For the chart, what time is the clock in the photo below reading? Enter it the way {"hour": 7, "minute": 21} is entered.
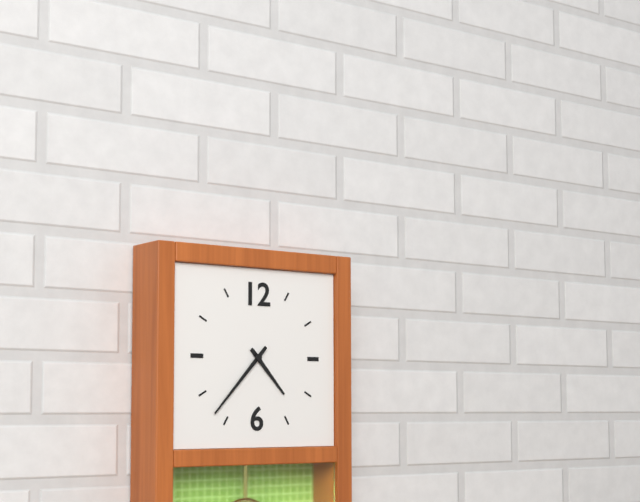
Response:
{"hour": 4, "minute": 37}
